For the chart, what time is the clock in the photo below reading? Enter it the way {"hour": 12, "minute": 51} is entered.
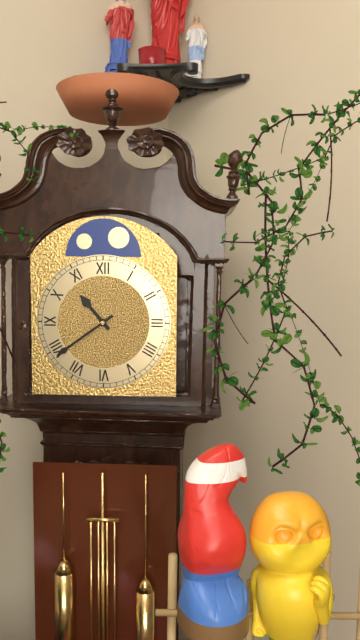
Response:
{"hour": 10, "minute": 39}
